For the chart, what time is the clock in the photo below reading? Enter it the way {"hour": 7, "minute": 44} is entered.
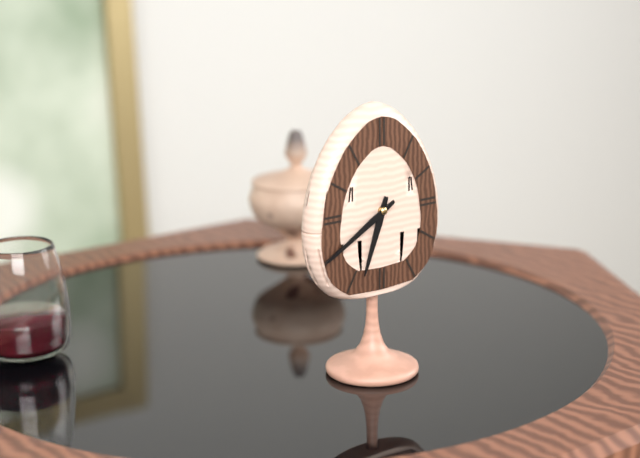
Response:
{"hour": 6, "minute": 40}
